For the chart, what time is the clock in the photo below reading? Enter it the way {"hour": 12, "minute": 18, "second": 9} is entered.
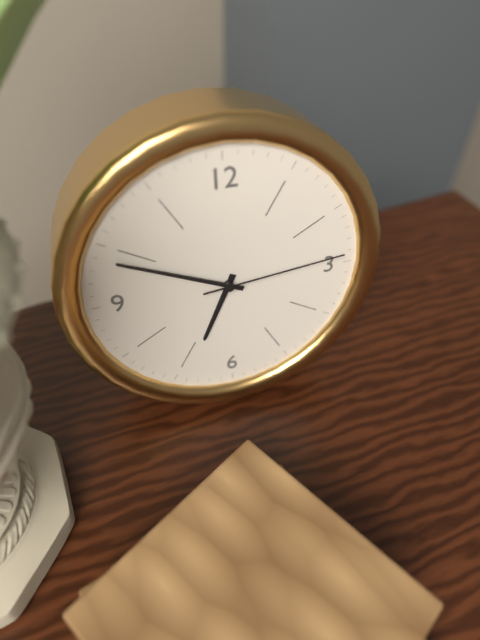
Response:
{"hour": 6, "minute": 49, "second": 14}
